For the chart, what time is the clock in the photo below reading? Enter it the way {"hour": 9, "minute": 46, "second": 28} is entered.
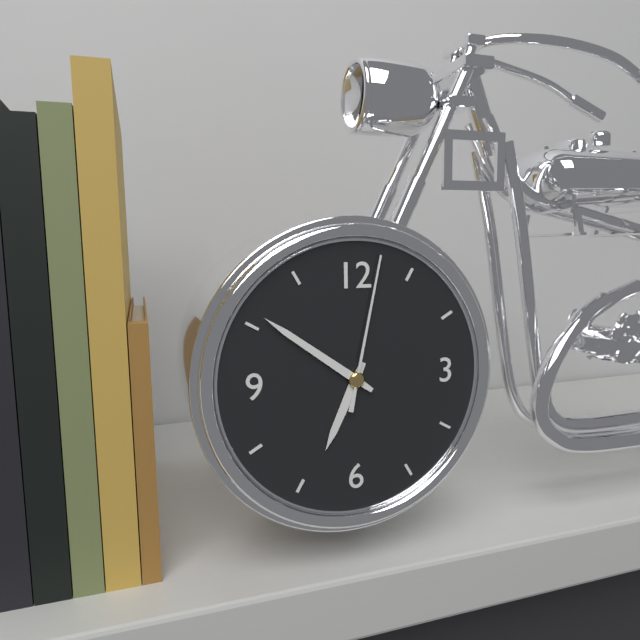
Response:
{"hour": 6, "minute": 51, "second": 2}
